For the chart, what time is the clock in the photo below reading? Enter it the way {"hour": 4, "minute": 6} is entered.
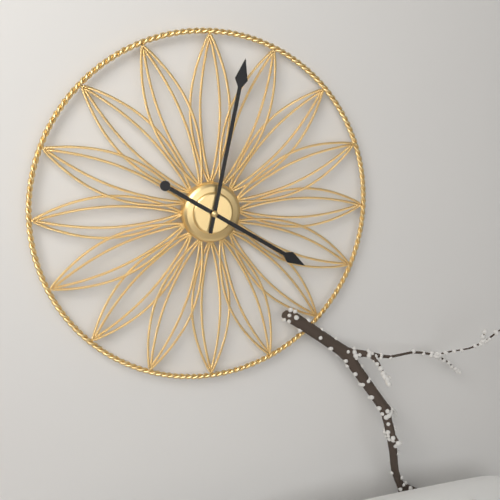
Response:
{"hour": 4, "minute": 2}
